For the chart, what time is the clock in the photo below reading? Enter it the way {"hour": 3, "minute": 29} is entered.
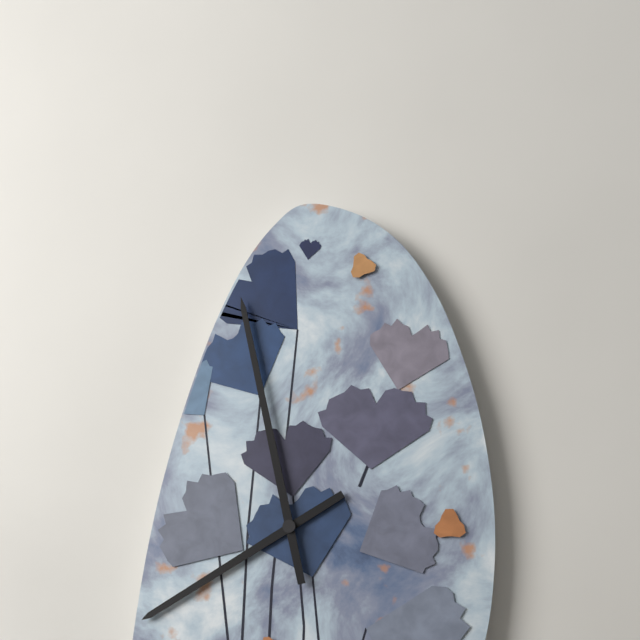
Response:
{"hour": 7, "minute": 58}
